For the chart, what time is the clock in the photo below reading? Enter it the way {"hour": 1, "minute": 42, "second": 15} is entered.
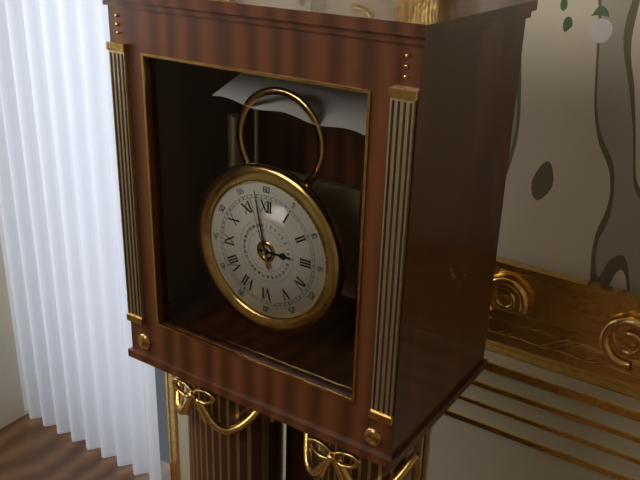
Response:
{"hour": 2, "minute": 58, "second": 57}
